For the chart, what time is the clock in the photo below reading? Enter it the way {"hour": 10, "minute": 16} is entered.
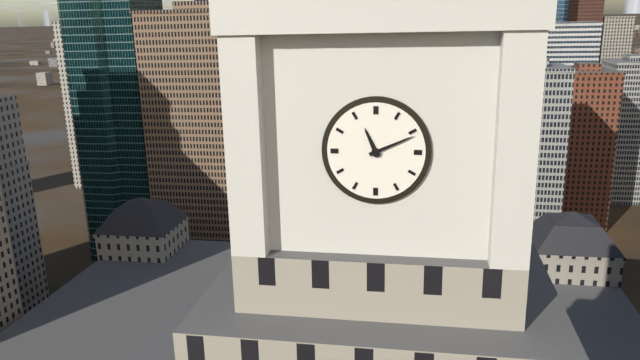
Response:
{"hour": 11, "minute": 11}
